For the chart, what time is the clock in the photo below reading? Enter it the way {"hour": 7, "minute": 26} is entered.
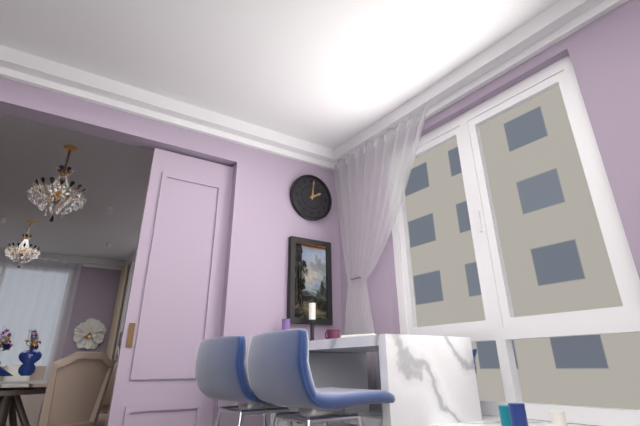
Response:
{"hour": 2, "minute": 1}
